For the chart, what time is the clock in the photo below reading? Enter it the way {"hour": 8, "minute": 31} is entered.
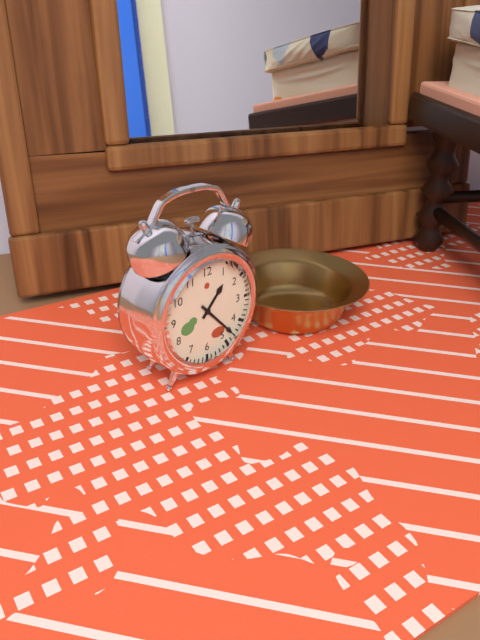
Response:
{"hour": 1, "minute": 23}
